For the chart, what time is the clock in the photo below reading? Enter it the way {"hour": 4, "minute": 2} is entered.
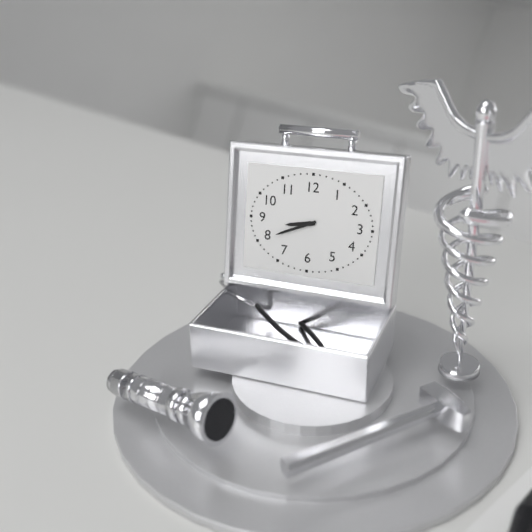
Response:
{"hour": 8, "minute": 41}
